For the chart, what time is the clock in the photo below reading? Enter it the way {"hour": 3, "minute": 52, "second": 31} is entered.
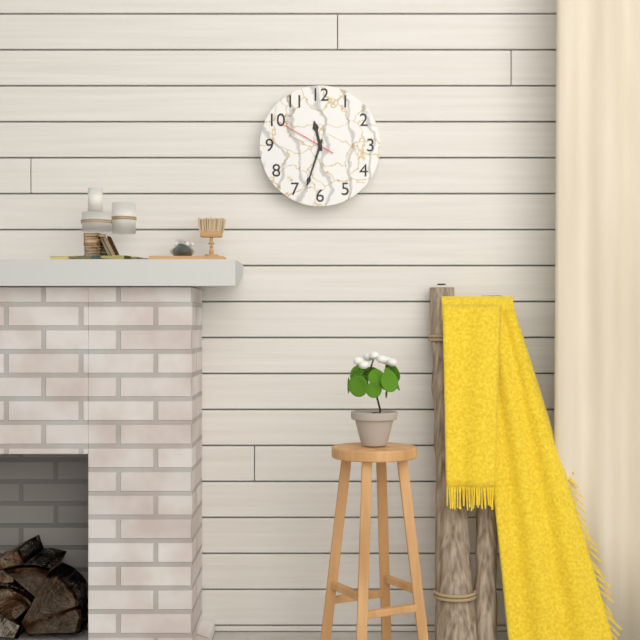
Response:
{"hour": 11, "minute": 33, "second": 50}
